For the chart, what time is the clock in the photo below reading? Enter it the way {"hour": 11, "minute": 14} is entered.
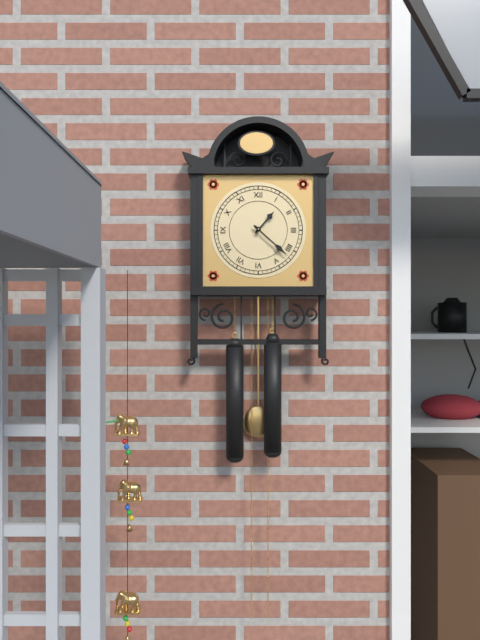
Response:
{"hour": 1, "minute": 22}
